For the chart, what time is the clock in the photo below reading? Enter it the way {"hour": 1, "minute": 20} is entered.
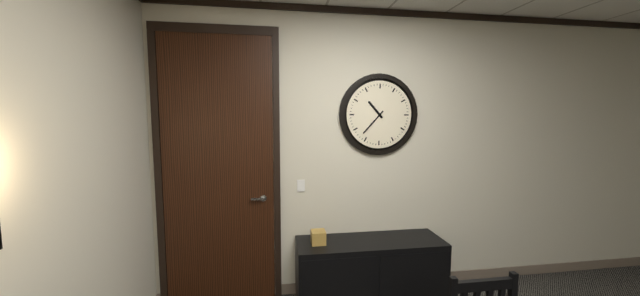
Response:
{"hour": 10, "minute": 37}
